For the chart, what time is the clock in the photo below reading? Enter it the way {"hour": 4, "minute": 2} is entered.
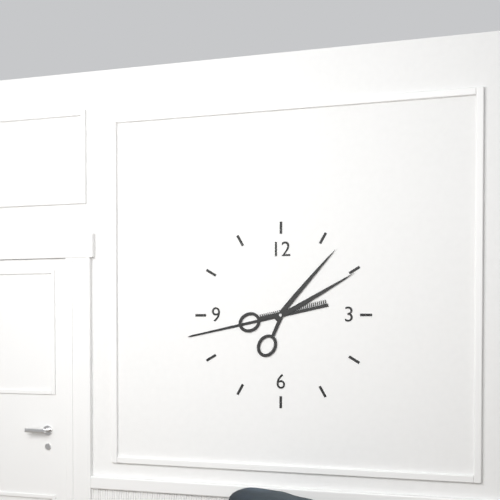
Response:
{"hour": 1, "minute": 43}
